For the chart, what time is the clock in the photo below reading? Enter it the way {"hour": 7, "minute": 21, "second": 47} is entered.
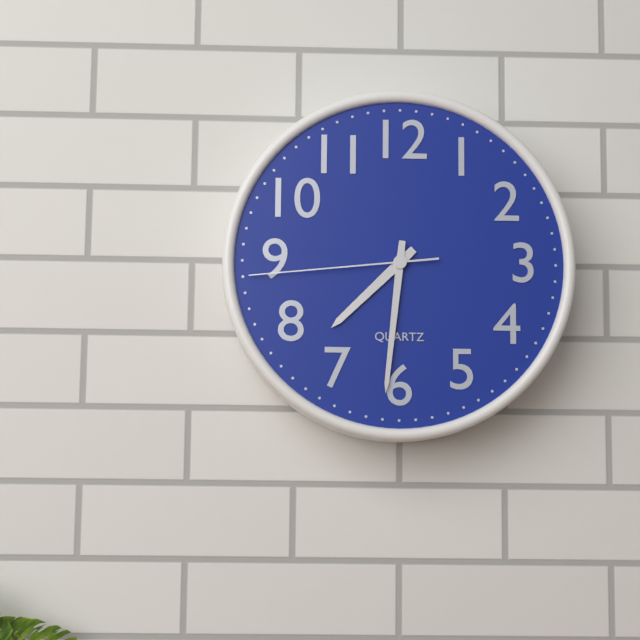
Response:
{"hour": 7, "minute": 31, "second": 44}
